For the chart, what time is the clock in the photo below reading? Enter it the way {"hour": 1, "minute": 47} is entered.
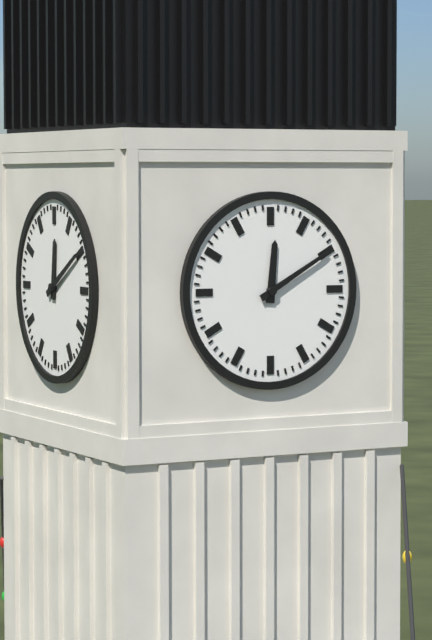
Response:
{"hour": 12, "minute": 10}
